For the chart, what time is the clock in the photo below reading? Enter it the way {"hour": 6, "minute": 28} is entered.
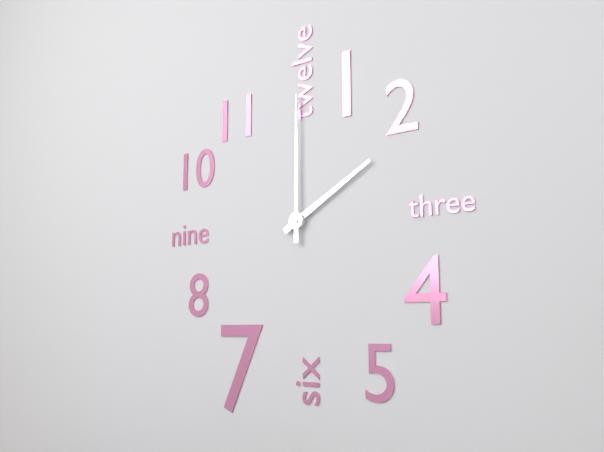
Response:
{"hour": 2, "minute": 0}
